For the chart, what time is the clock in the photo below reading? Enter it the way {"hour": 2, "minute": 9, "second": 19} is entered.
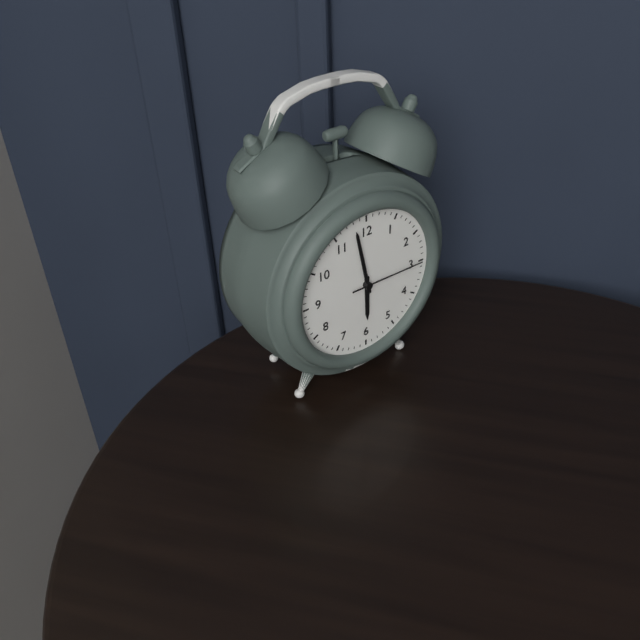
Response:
{"hour": 5, "minute": 58, "second": 15}
